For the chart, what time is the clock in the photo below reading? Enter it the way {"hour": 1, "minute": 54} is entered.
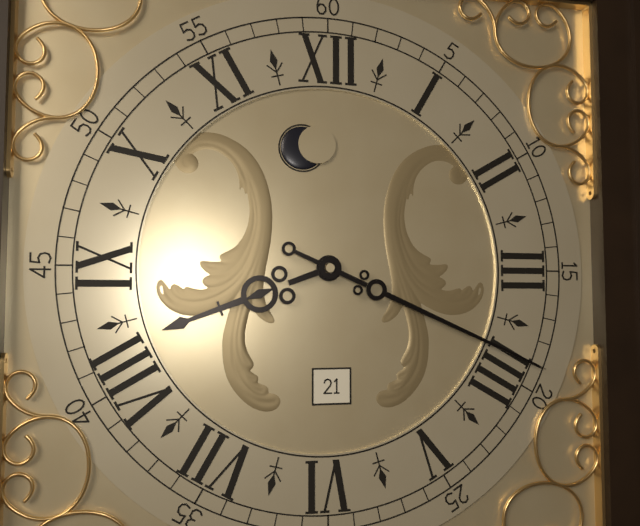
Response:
{"hour": 8, "minute": 19}
